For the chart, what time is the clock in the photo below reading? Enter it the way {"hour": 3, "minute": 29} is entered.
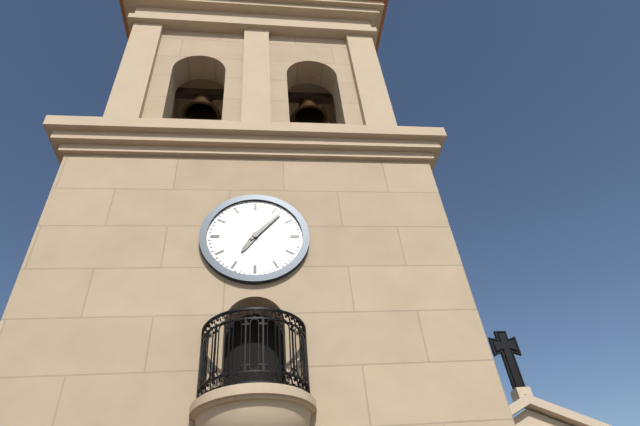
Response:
{"hour": 7, "minute": 7}
